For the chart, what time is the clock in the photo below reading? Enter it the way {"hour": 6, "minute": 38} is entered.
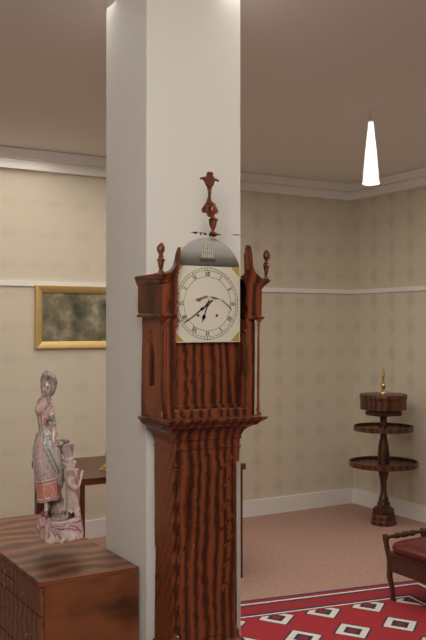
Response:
{"hour": 6, "minute": 39}
